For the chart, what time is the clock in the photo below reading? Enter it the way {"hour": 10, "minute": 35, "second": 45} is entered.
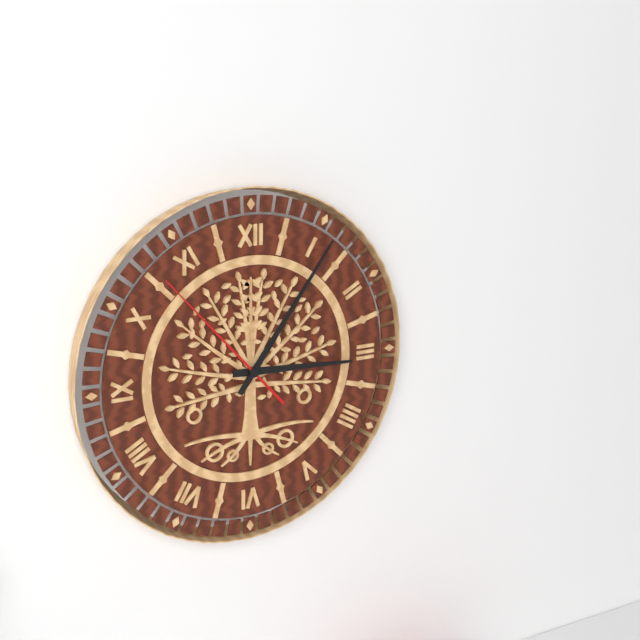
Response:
{"hour": 3, "minute": 6, "second": 53}
